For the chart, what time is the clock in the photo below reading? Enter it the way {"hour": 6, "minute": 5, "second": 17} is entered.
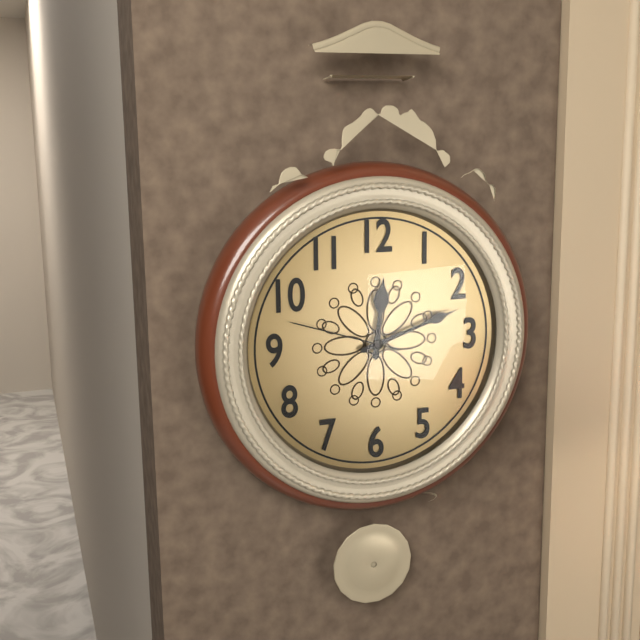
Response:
{"hour": 12, "minute": 12, "second": 48}
